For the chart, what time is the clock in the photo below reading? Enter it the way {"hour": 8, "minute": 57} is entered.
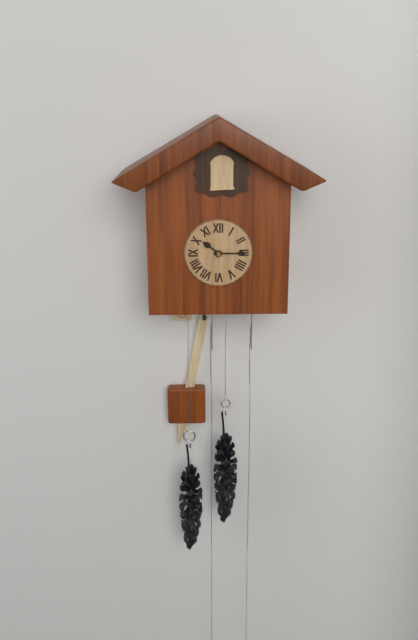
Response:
{"hour": 10, "minute": 15}
